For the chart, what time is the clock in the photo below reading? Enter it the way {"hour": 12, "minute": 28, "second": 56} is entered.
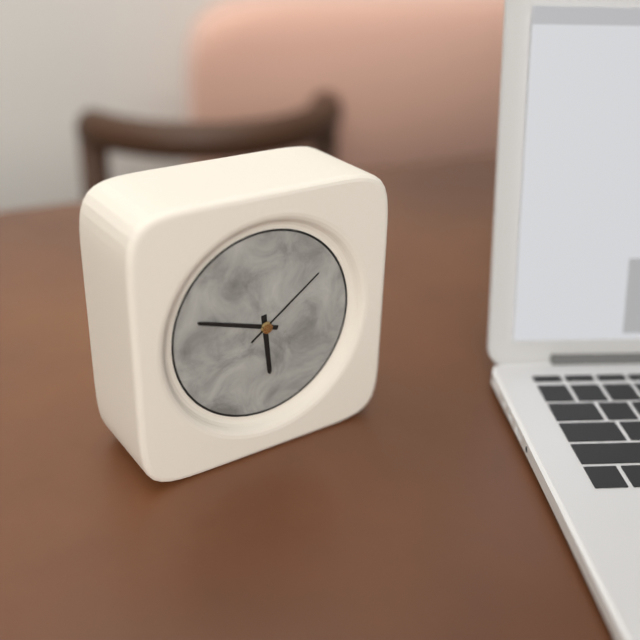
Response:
{"hour": 5, "minute": 48, "second": 9}
